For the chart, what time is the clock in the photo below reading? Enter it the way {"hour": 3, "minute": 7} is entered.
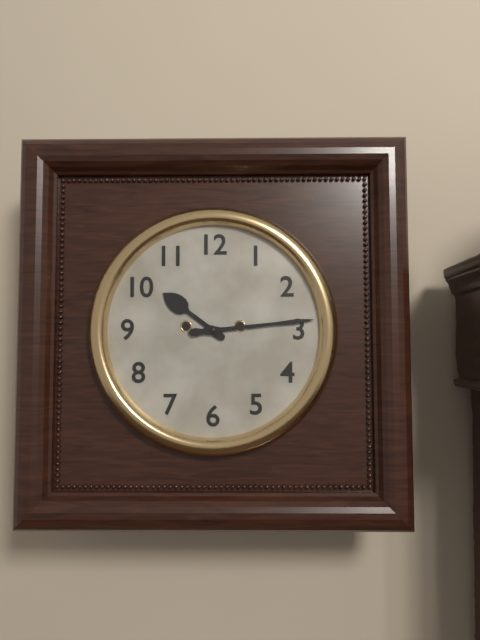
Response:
{"hour": 10, "minute": 14}
